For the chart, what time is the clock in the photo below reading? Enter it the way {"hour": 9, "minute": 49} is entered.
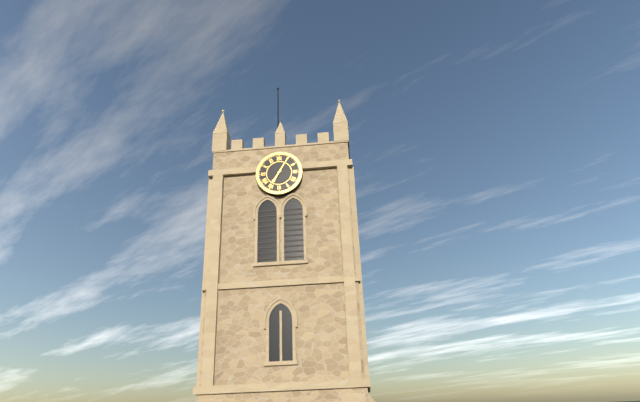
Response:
{"hour": 7, "minute": 5}
